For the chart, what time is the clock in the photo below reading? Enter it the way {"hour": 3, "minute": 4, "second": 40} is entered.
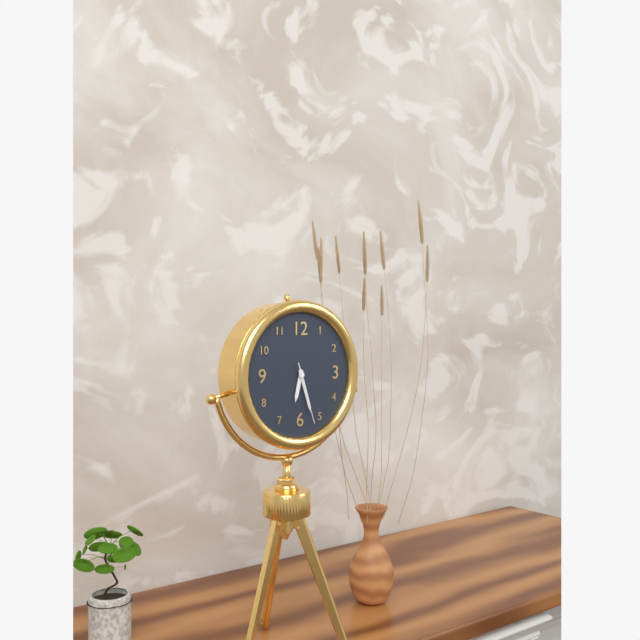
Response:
{"hour": 6, "minute": 27, "second": 27}
